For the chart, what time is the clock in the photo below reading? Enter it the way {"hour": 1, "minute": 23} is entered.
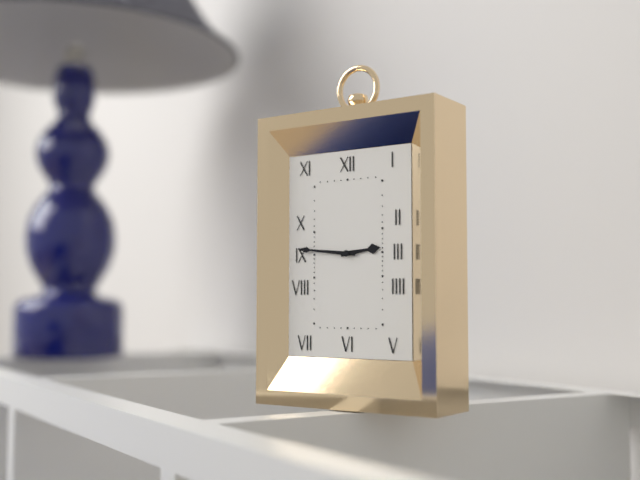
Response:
{"hour": 2, "minute": 46}
